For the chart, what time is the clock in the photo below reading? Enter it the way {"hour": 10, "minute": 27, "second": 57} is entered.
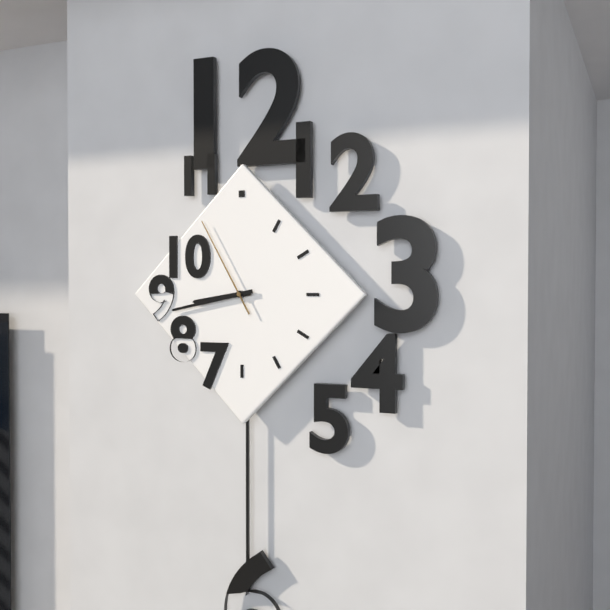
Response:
{"hour": 8, "minute": 43, "second": 55}
